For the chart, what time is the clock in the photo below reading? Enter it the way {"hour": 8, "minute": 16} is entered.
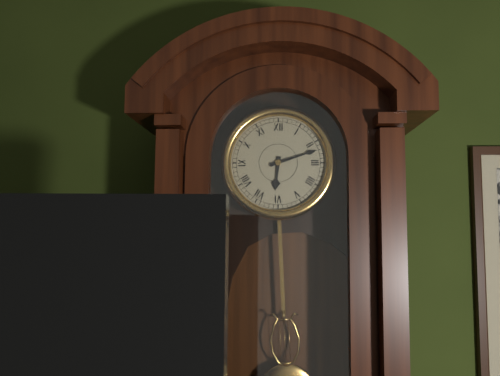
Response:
{"hour": 6, "minute": 12}
